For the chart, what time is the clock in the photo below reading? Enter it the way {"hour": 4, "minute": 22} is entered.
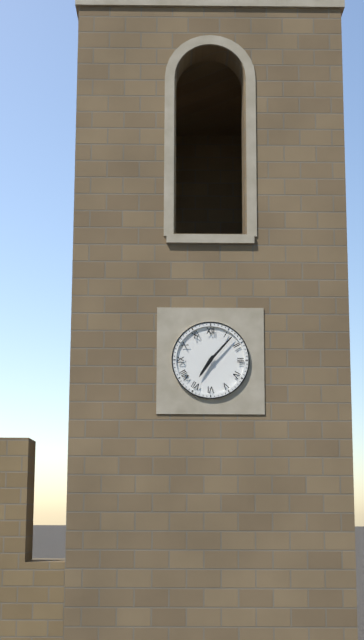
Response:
{"hour": 7, "minute": 7}
